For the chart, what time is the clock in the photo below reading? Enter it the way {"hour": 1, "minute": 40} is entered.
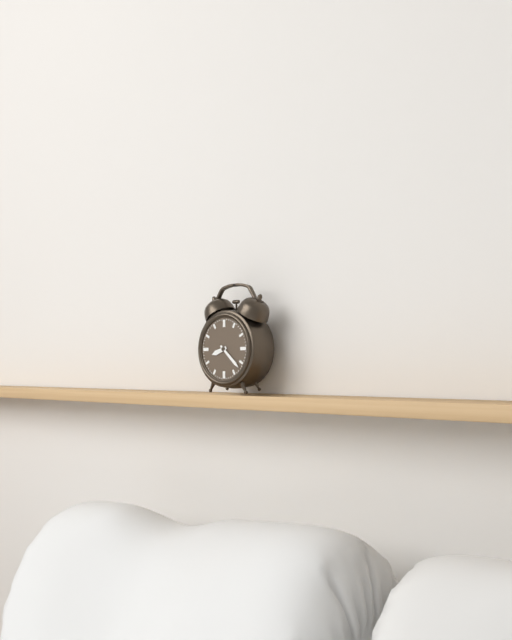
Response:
{"hour": 8, "minute": 22}
